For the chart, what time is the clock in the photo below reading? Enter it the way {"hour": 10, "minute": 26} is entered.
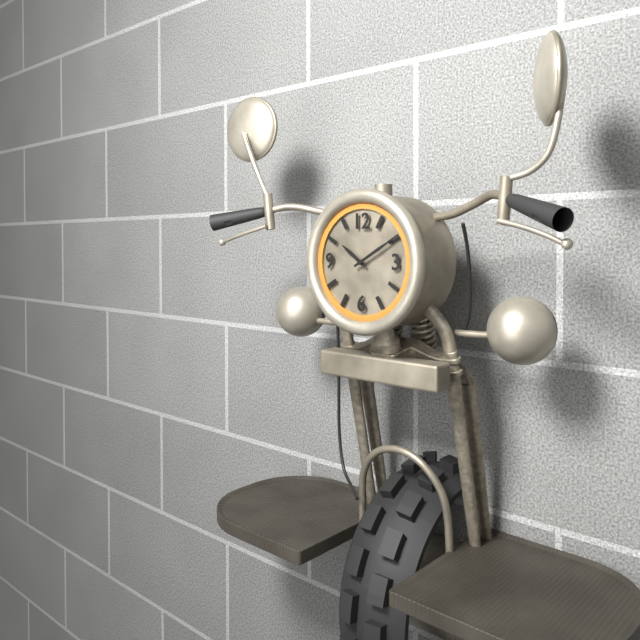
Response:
{"hour": 10, "minute": 10}
